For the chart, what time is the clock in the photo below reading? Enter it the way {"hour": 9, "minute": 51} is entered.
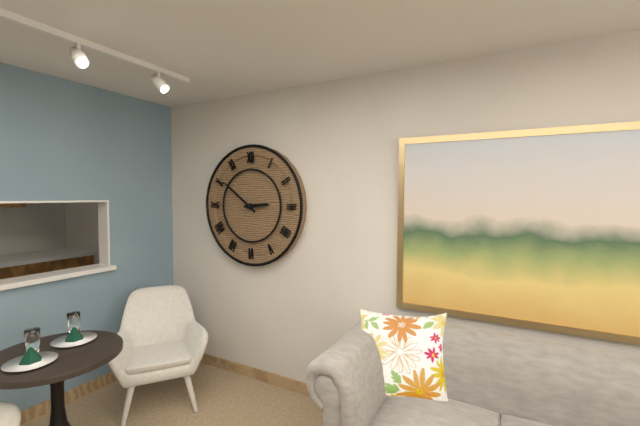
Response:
{"hour": 2, "minute": 51}
